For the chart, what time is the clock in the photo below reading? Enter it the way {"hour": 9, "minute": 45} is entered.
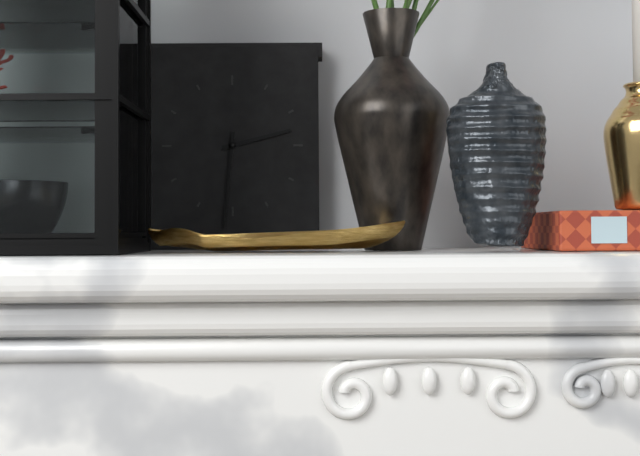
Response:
{"hour": 2, "minute": 31}
